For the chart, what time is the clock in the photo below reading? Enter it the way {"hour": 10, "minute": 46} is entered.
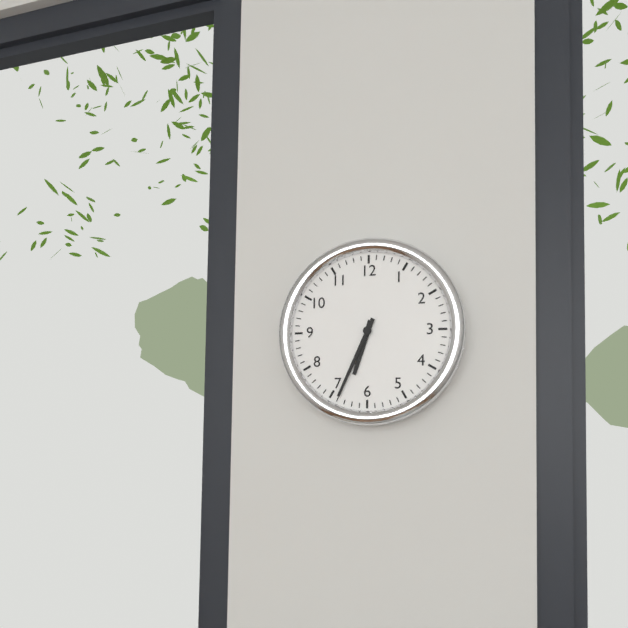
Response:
{"hour": 6, "minute": 34}
